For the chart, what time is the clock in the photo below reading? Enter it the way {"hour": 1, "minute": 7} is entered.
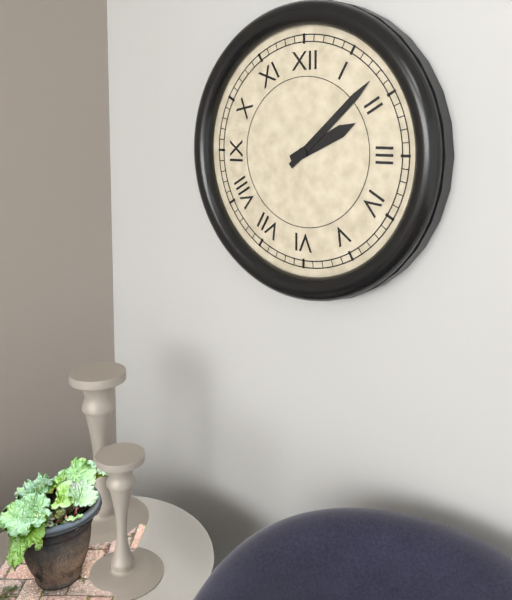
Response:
{"hour": 2, "minute": 8}
